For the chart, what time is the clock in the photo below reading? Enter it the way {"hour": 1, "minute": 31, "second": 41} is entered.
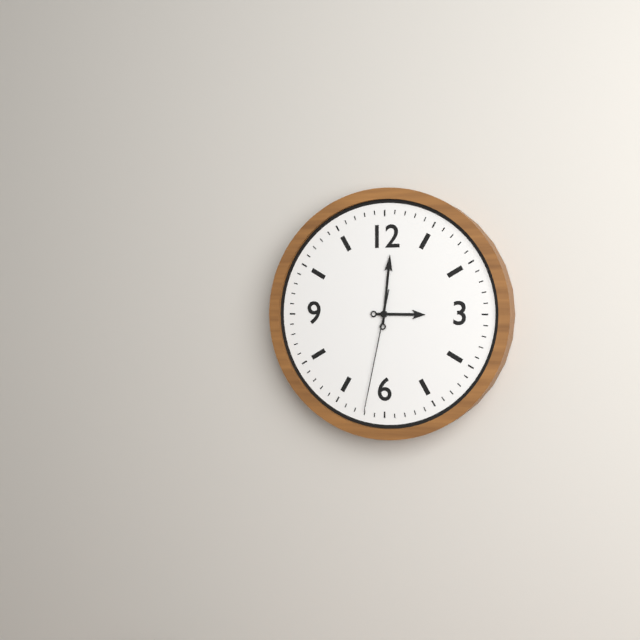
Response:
{"hour": 3, "minute": 1, "second": 32}
